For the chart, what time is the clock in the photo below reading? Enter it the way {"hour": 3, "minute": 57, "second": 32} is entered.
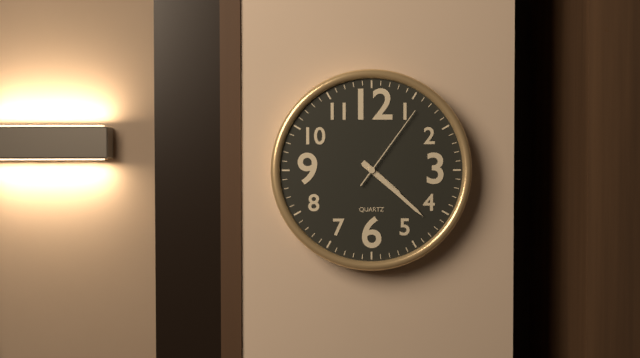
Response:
{"hour": 4, "minute": 22, "second": 6}
